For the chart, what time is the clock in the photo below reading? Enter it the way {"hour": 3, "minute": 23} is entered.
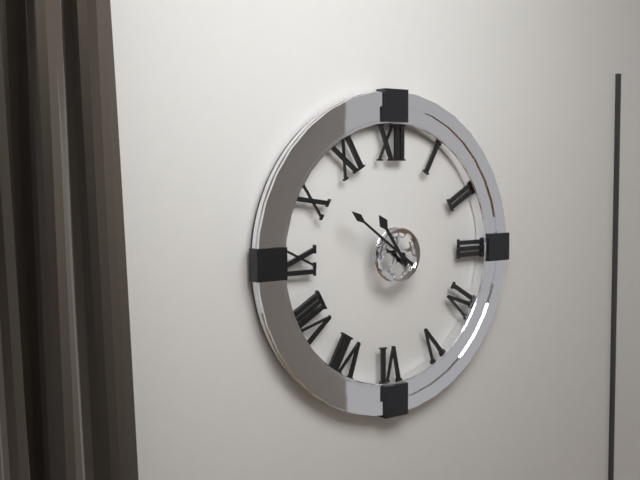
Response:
{"hour": 10, "minute": 51}
